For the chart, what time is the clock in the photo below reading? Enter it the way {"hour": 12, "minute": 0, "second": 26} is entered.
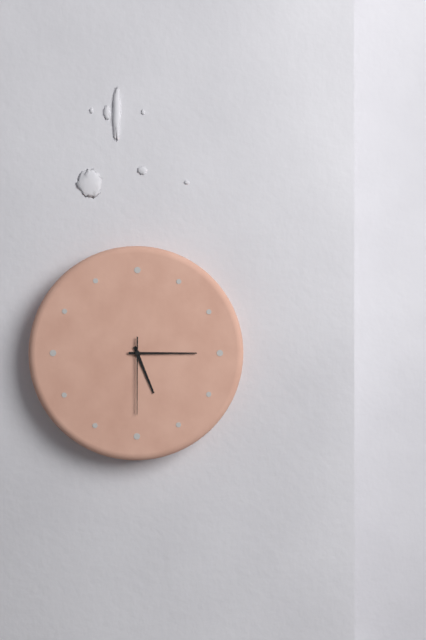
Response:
{"hour": 5, "minute": 15, "second": 30}
